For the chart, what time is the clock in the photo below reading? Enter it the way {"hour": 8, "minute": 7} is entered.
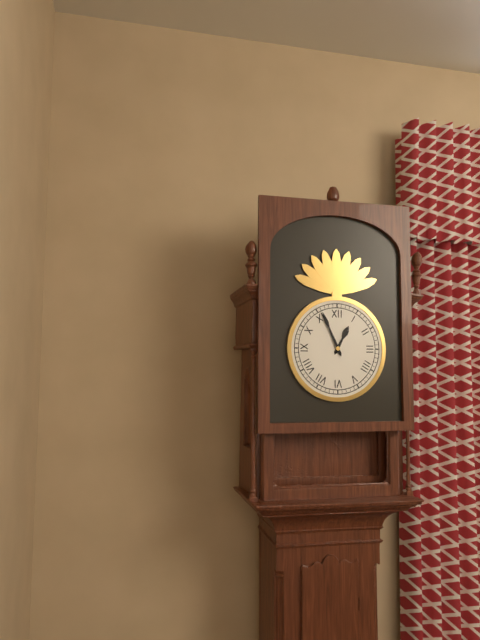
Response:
{"hour": 12, "minute": 56}
